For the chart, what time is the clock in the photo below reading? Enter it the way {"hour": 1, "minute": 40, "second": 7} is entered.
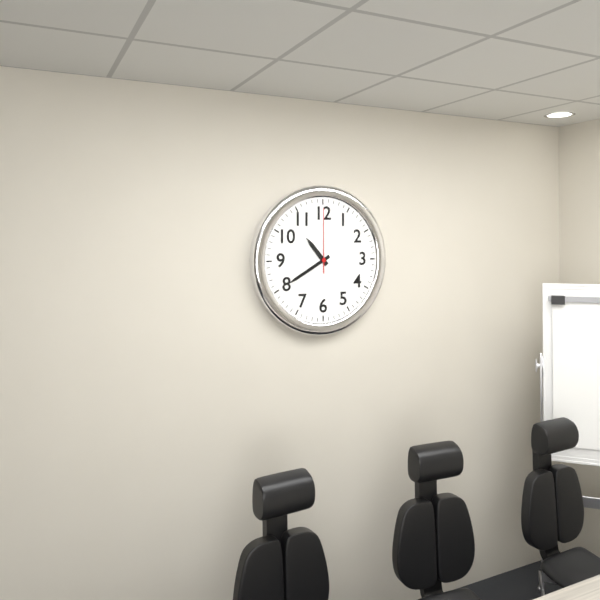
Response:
{"hour": 10, "minute": 40, "second": 0}
